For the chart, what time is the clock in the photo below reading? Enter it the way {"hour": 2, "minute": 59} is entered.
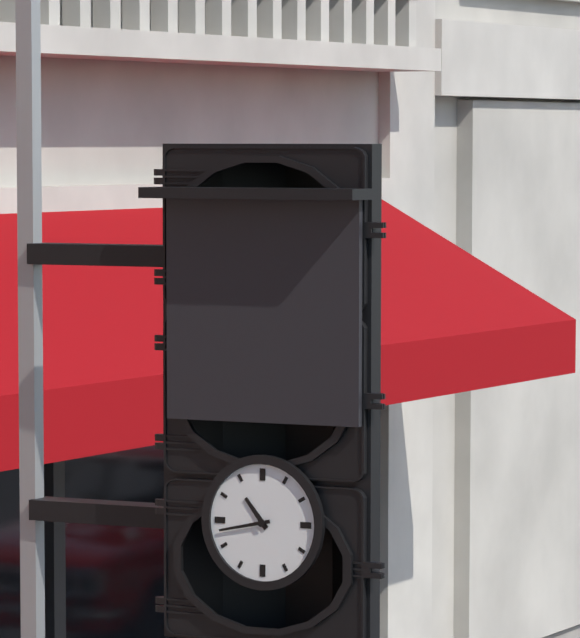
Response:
{"hour": 10, "minute": 43}
